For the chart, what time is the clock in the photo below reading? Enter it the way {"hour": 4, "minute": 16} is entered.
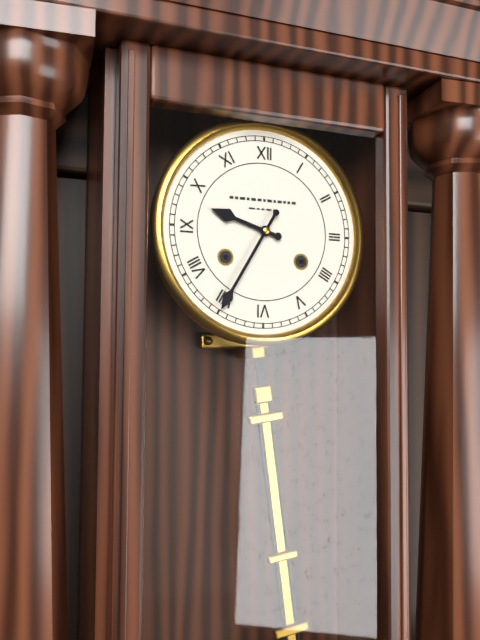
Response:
{"hour": 9, "minute": 35}
